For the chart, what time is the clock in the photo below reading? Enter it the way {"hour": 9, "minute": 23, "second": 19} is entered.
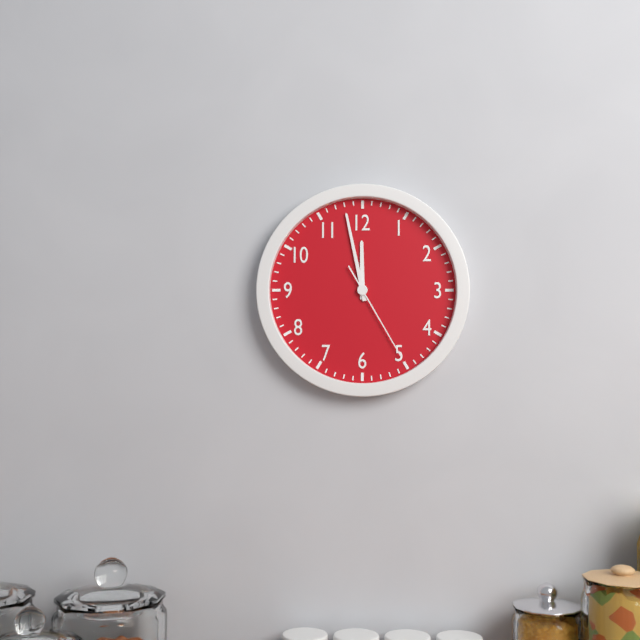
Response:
{"hour": 11, "minute": 58, "second": 25}
